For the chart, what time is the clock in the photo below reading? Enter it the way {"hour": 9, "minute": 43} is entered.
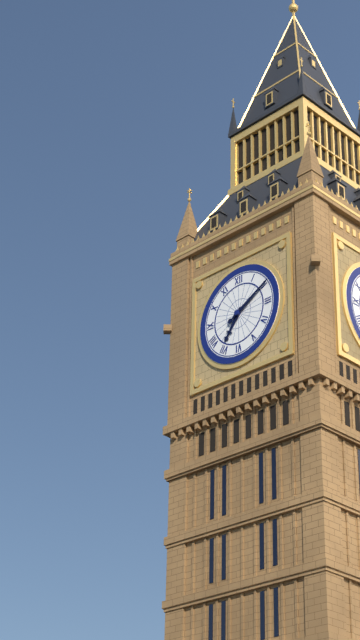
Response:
{"hour": 7, "minute": 10}
